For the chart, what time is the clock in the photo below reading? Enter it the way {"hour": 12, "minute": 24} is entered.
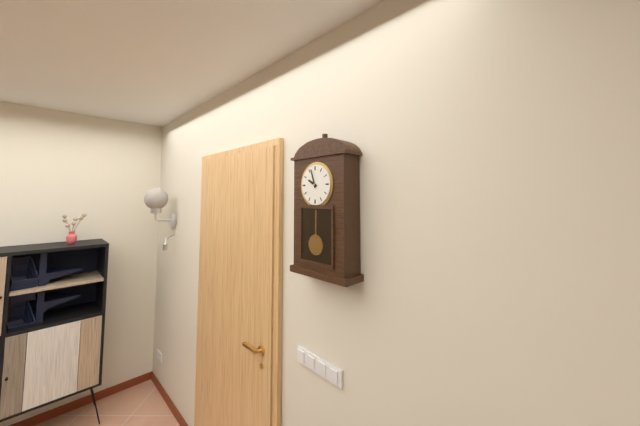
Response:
{"hour": 9, "minute": 57}
